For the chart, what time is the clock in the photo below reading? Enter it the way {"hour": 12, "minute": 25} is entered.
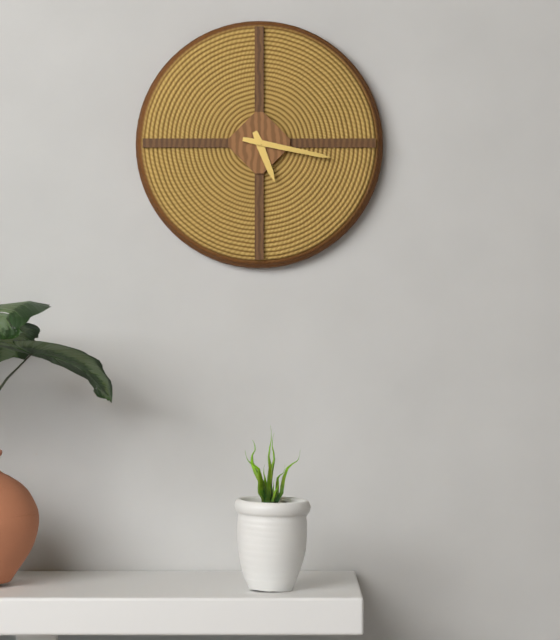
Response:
{"hour": 5, "minute": 17}
